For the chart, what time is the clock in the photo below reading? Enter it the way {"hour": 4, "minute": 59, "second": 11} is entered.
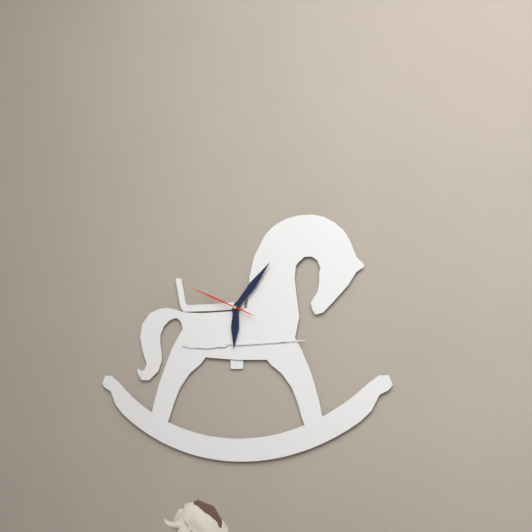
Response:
{"hour": 6, "minute": 7, "second": 49}
